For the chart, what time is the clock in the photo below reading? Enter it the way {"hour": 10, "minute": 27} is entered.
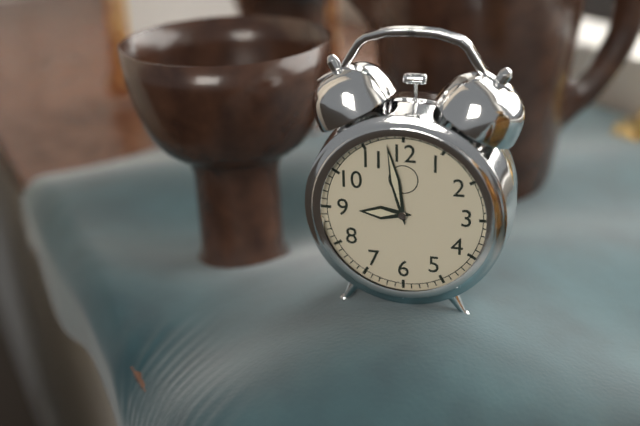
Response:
{"hour": 8, "minute": 58}
